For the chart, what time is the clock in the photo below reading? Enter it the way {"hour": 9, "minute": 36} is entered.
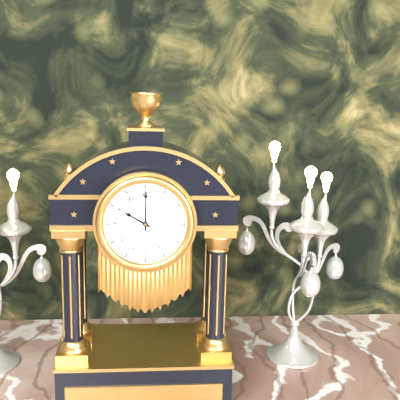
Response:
{"hour": 10, "minute": 0}
